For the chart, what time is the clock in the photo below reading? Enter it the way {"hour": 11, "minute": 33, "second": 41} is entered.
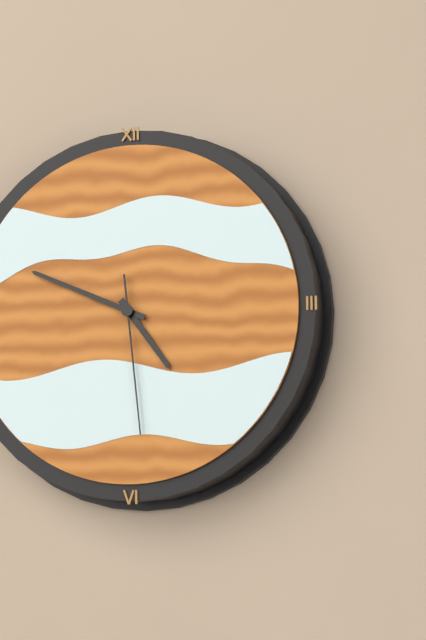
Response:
{"hour": 4, "minute": 49, "second": 29}
